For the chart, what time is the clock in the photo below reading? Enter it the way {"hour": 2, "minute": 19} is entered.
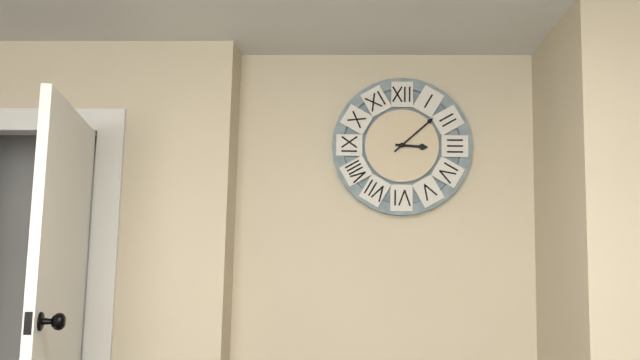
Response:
{"hour": 3, "minute": 8}
